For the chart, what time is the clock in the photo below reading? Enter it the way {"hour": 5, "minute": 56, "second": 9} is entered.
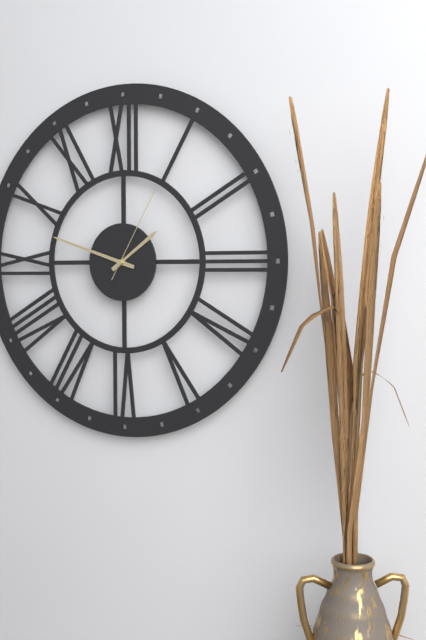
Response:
{"hour": 1, "minute": 48, "second": 5}
